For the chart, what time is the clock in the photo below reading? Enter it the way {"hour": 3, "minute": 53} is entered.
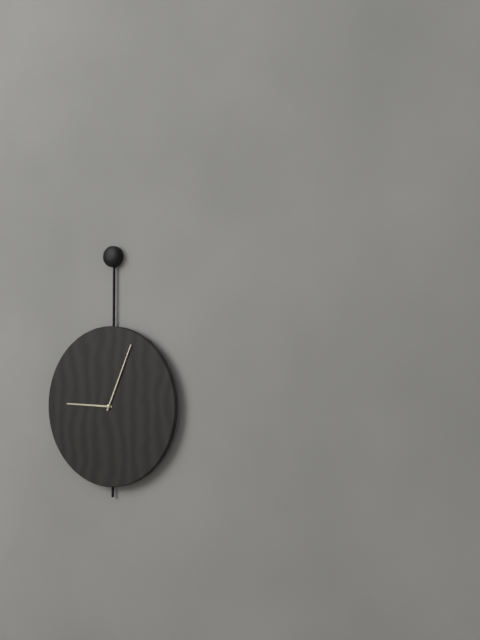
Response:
{"hour": 9, "minute": 4}
